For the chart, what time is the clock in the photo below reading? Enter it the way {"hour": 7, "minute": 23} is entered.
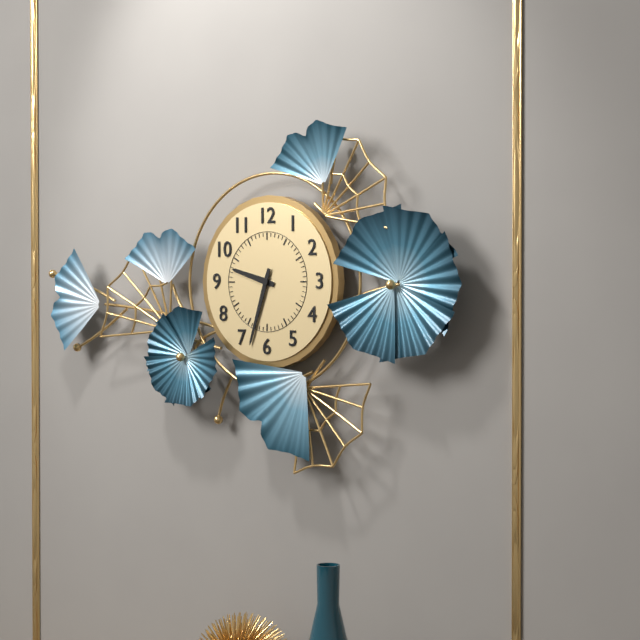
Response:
{"hour": 9, "minute": 33}
